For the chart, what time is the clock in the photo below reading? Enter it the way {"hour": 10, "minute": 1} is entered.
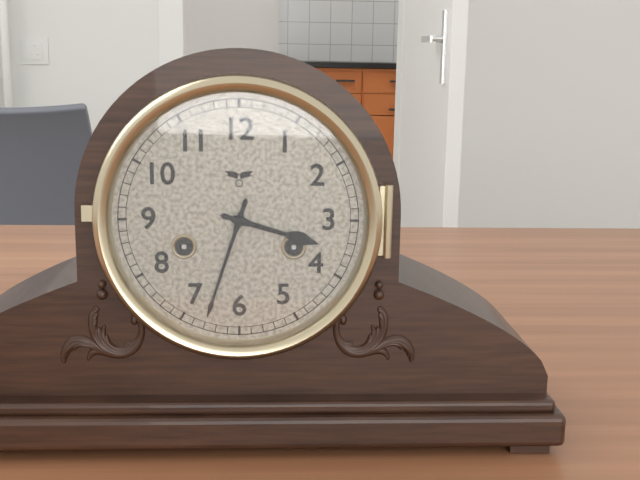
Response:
{"hour": 3, "minute": 33}
